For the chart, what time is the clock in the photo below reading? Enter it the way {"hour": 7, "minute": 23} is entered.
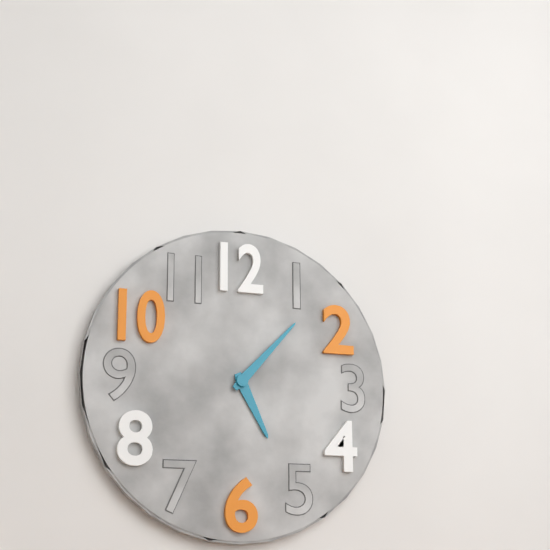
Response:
{"hour": 5, "minute": 7}
